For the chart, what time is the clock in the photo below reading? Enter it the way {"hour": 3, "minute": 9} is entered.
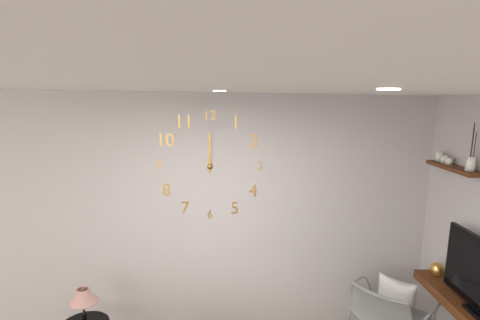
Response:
{"hour": 12, "minute": 0}
